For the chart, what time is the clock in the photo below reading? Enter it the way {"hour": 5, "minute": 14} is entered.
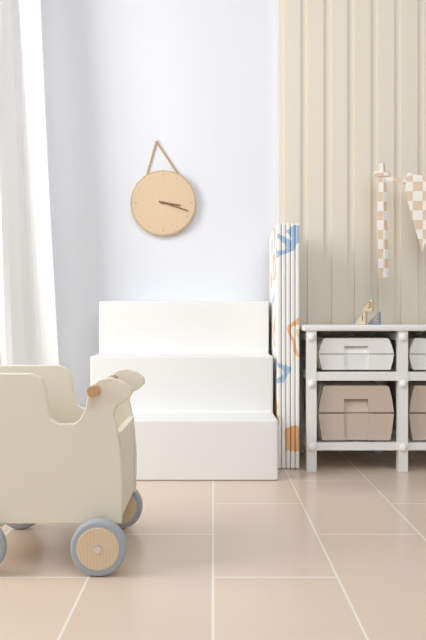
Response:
{"hour": 3, "minute": 18}
